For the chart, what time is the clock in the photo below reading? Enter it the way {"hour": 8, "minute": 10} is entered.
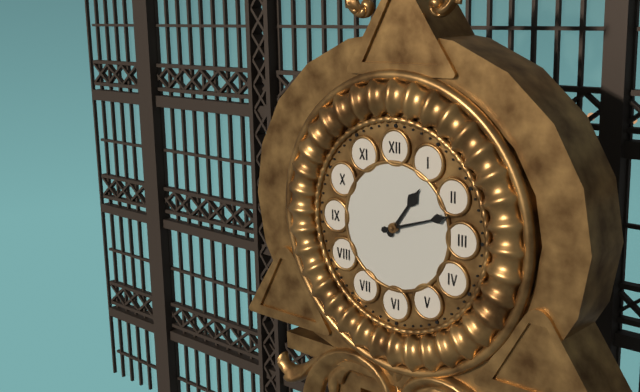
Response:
{"hour": 1, "minute": 12}
